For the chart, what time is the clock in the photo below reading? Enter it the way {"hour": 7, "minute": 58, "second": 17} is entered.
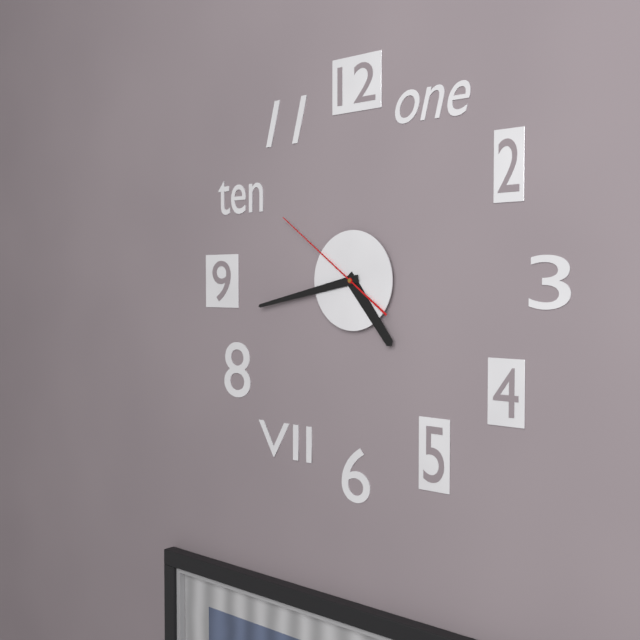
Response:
{"hour": 4, "minute": 43, "second": 51}
